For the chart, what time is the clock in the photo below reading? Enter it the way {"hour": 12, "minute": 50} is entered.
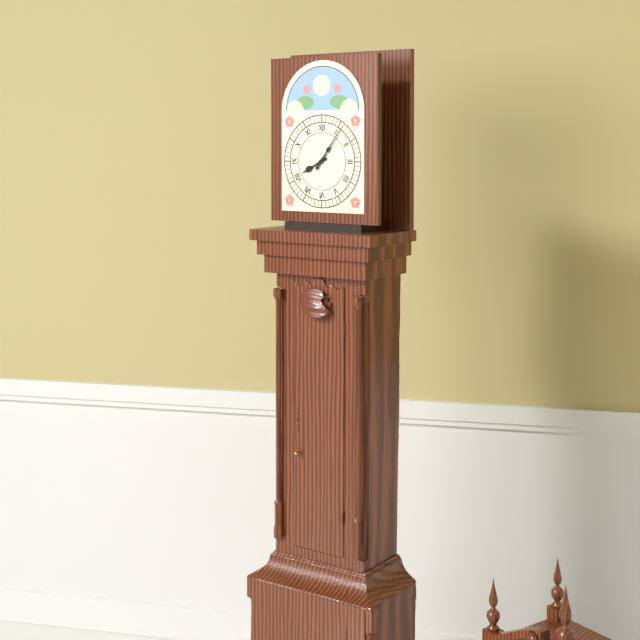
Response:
{"hour": 8, "minute": 6}
